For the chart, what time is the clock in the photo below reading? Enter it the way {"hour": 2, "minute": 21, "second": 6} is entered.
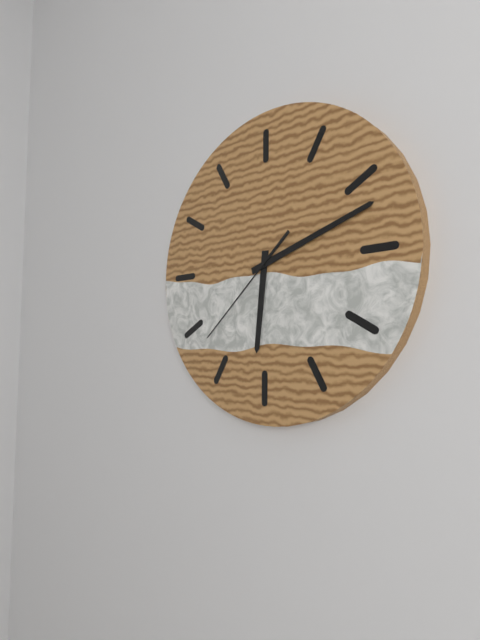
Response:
{"hour": 6, "minute": 12, "second": 38}
